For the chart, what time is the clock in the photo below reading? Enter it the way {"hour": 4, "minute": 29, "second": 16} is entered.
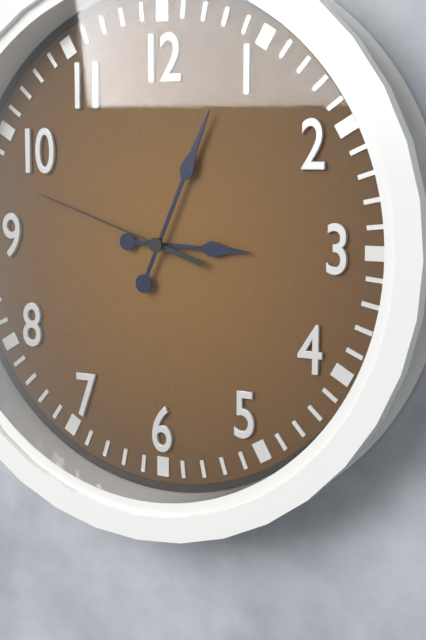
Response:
{"hour": 3, "minute": 4, "second": 48}
